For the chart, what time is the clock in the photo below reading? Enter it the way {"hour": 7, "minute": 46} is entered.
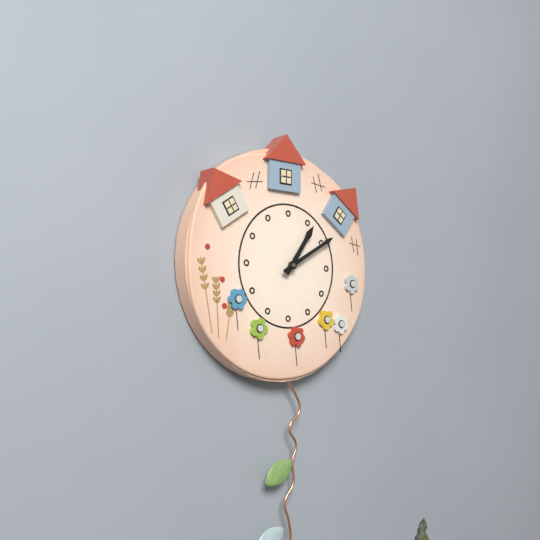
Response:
{"hour": 1, "minute": 10}
